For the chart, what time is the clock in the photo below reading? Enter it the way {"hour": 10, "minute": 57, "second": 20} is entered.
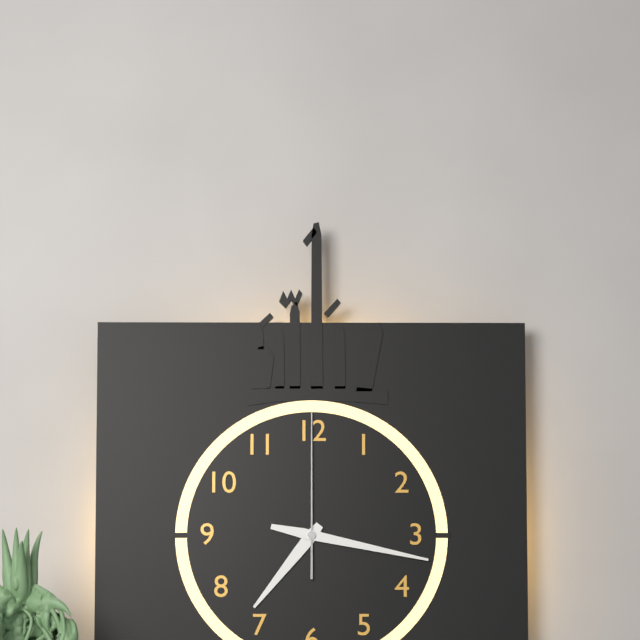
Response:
{"hour": 7, "minute": 17, "second": 0}
